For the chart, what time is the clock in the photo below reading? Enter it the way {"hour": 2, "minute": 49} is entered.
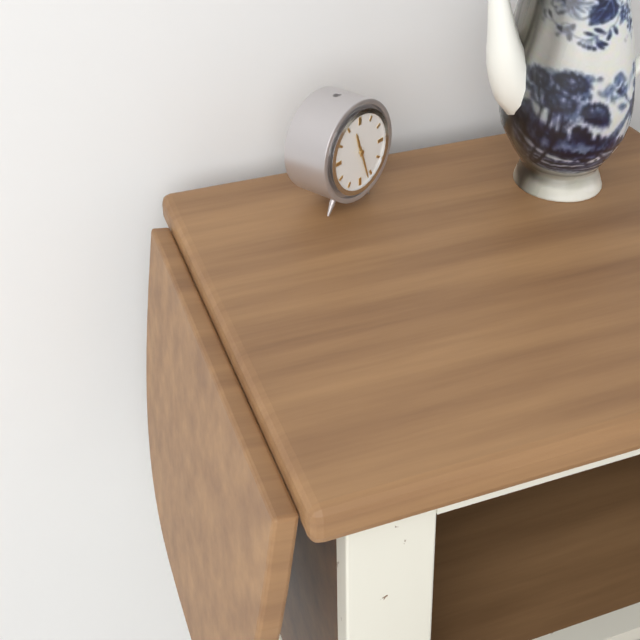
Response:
{"hour": 11, "minute": 27}
